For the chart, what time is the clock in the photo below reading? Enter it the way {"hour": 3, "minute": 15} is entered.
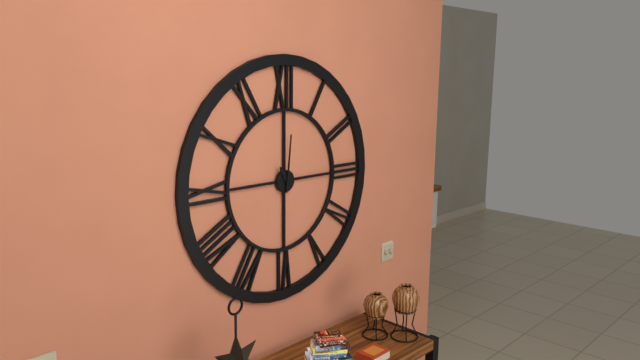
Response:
{"hour": 11, "minute": 1}
